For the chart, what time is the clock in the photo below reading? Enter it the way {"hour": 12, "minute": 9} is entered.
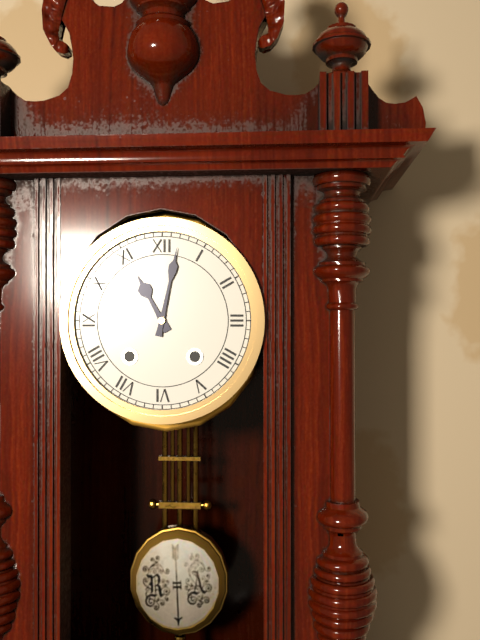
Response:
{"hour": 11, "minute": 2}
